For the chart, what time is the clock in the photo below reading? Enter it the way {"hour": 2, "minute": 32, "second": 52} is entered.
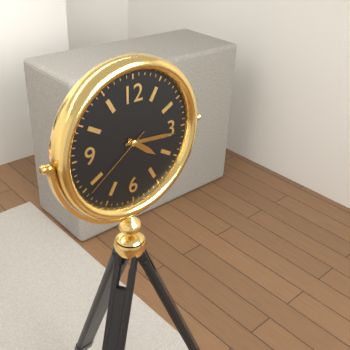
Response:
{"hour": 4, "minute": 16, "second": 39}
